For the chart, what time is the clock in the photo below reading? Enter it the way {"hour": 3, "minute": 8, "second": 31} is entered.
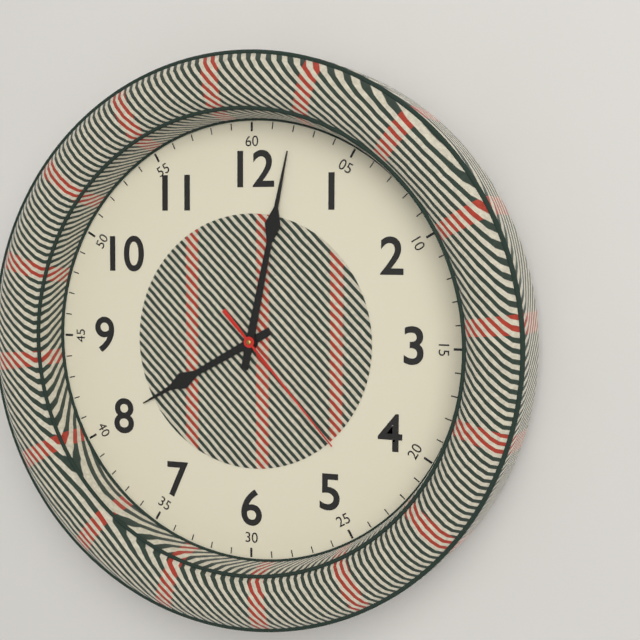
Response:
{"hour": 8, "minute": 2, "second": 23}
